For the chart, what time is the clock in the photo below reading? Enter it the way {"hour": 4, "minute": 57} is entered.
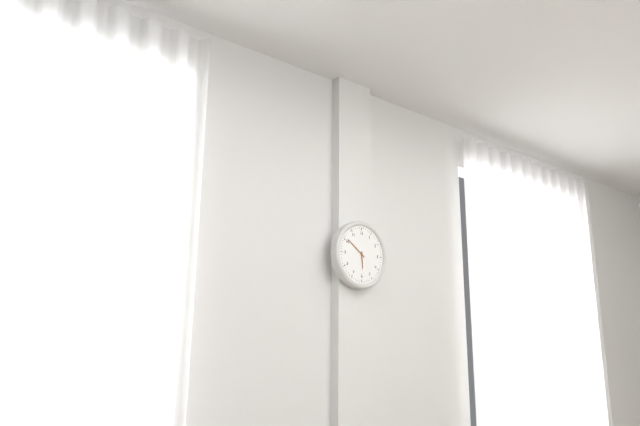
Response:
{"hour": 5, "minute": 51}
